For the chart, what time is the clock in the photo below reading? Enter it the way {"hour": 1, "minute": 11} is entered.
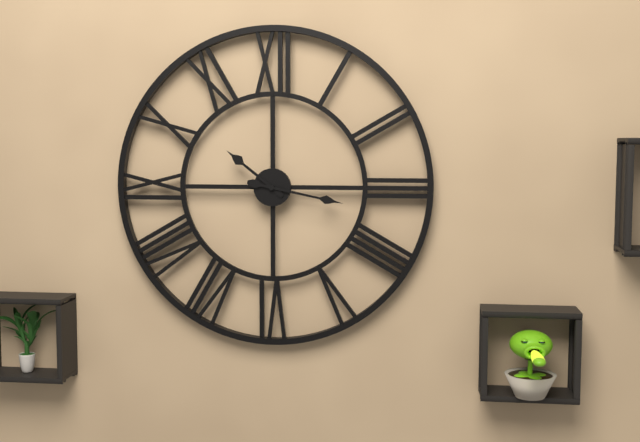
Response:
{"hour": 10, "minute": 17}
